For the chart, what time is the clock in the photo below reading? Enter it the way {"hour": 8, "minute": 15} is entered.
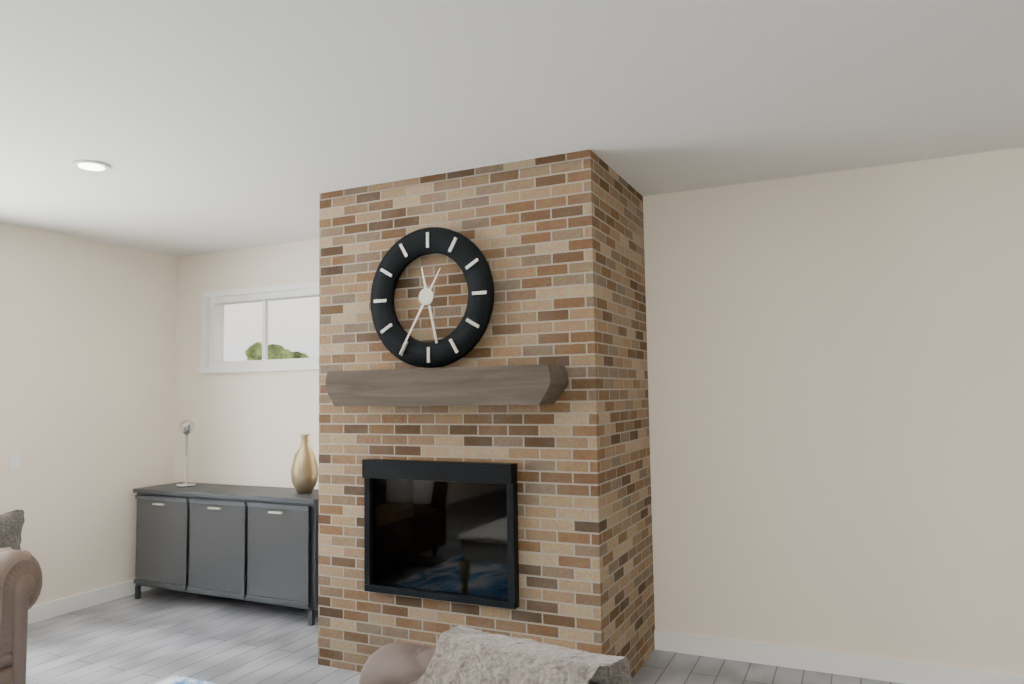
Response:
{"hour": 5, "minute": 35}
